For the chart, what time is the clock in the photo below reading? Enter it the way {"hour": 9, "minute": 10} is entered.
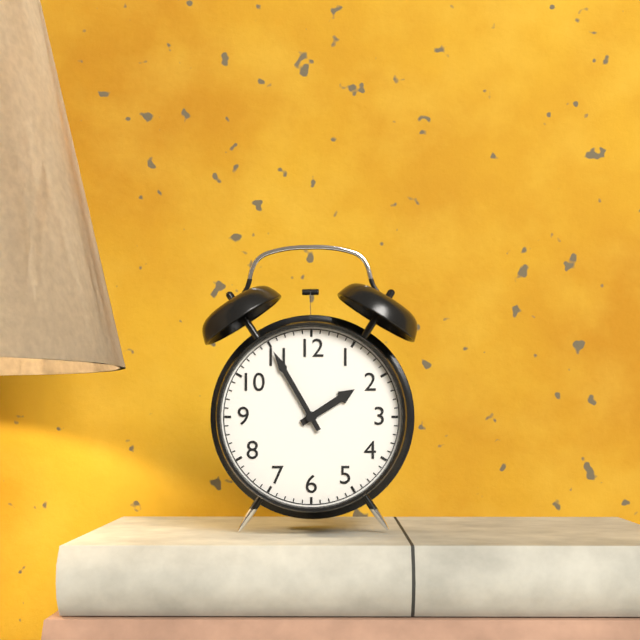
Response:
{"hour": 1, "minute": 55}
